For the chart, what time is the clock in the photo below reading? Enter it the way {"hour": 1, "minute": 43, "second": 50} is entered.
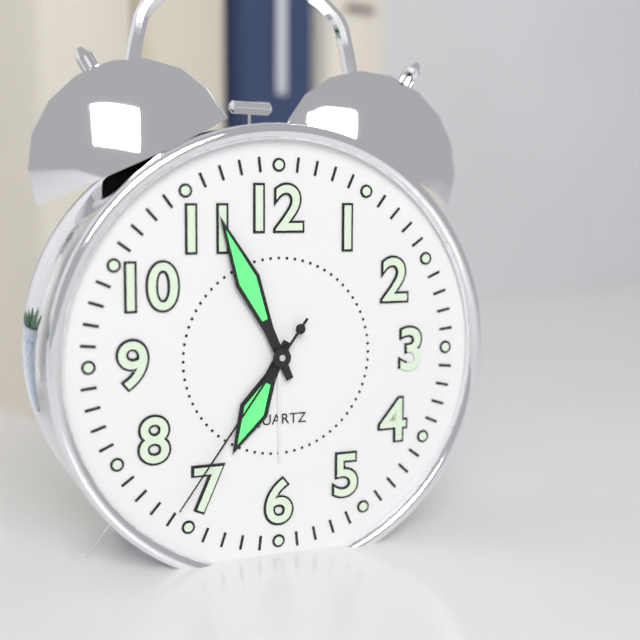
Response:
{"hour": 6, "minute": 56, "second": 36}
